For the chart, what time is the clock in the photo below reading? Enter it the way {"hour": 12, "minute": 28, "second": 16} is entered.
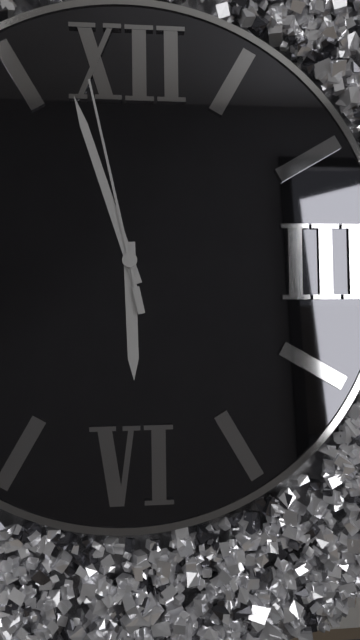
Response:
{"hour": 5, "minute": 57, "second": 58}
